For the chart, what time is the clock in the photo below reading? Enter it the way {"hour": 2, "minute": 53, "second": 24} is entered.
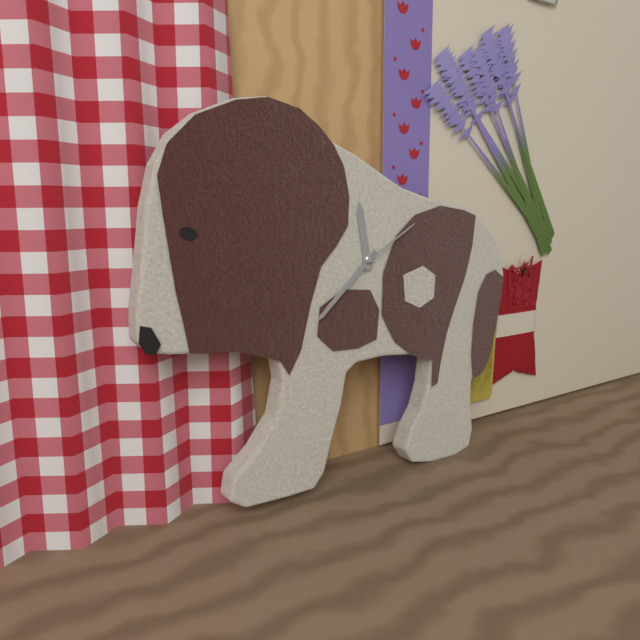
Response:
{"hour": 11, "minute": 38, "second": 10}
